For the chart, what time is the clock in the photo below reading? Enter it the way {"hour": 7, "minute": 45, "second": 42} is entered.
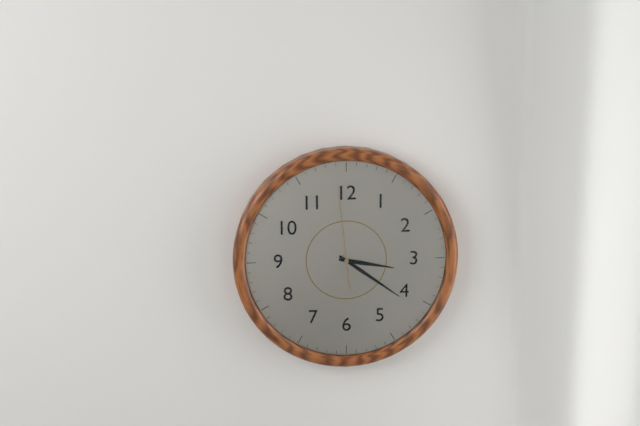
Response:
{"hour": 3, "minute": 21, "second": 59}
